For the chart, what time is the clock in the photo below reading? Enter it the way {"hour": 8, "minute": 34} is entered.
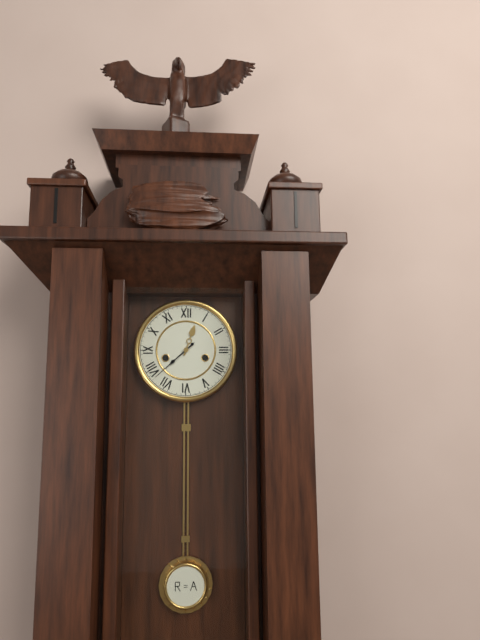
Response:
{"hour": 12, "minute": 38}
